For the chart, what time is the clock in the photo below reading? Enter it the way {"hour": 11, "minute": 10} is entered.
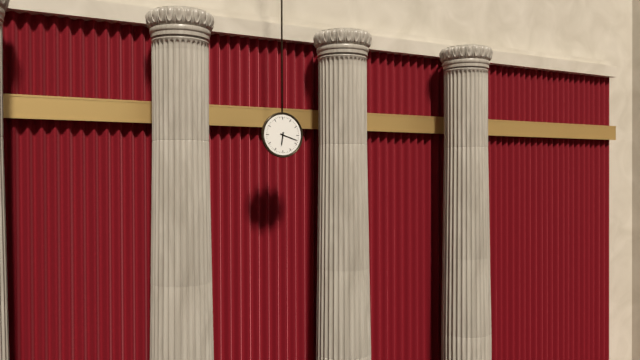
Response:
{"hour": 6, "minute": 18}
